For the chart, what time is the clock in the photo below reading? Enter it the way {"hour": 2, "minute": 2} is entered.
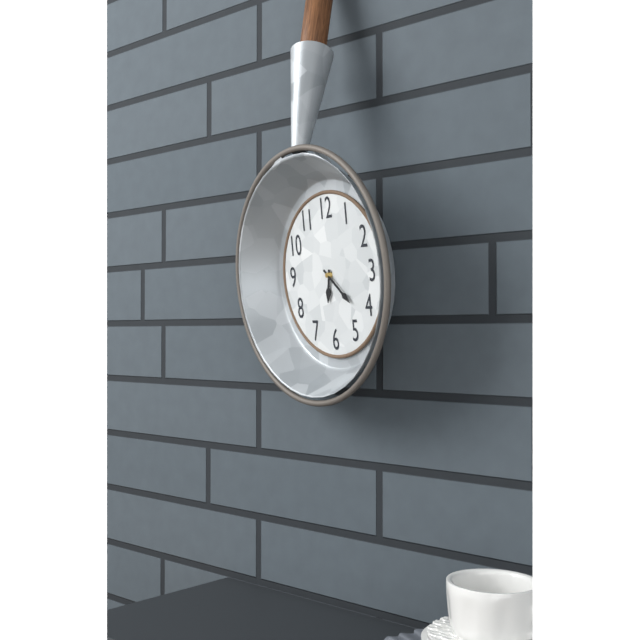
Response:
{"hour": 6, "minute": 22}
